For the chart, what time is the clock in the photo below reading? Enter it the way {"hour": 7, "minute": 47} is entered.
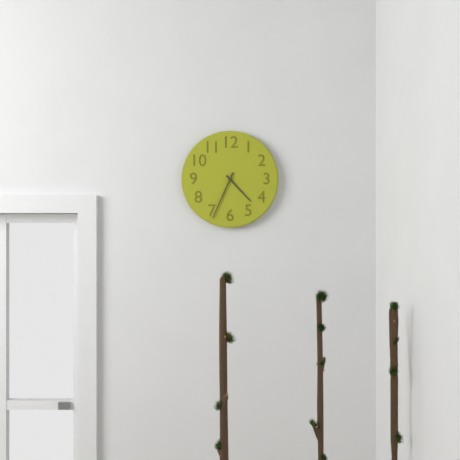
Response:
{"hour": 4, "minute": 34}
